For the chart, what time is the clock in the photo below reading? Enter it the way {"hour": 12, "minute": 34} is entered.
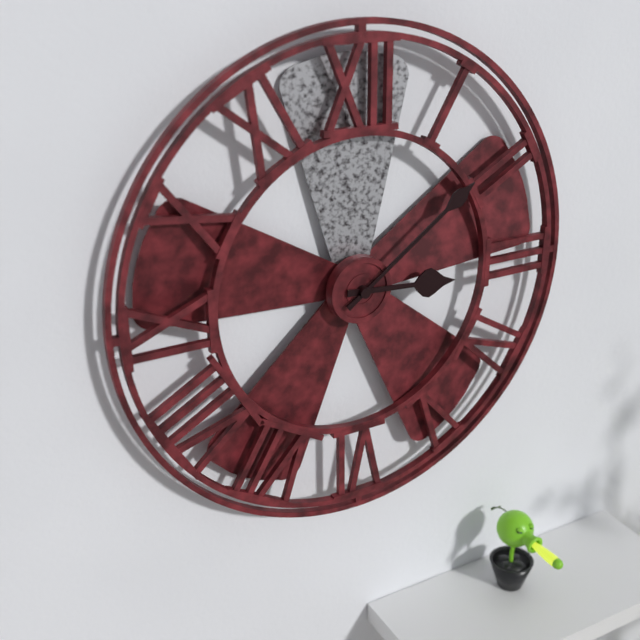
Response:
{"hour": 3, "minute": 9}
